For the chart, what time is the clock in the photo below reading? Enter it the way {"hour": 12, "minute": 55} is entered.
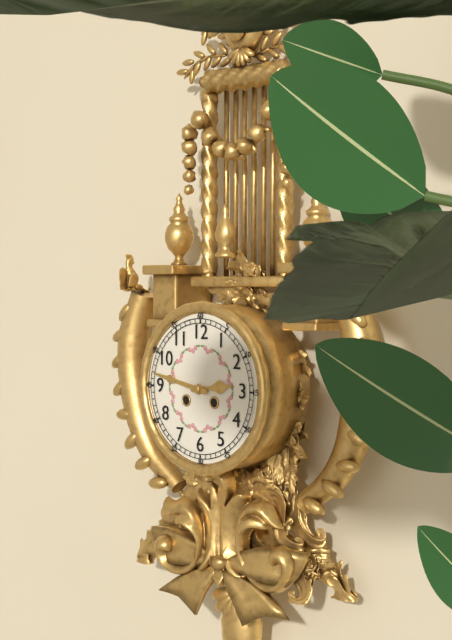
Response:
{"hour": 2, "minute": 47}
